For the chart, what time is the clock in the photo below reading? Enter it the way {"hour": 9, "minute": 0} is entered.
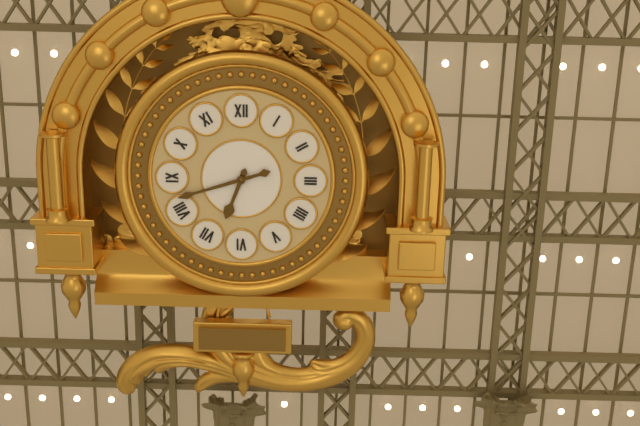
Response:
{"hour": 6, "minute": 42}
